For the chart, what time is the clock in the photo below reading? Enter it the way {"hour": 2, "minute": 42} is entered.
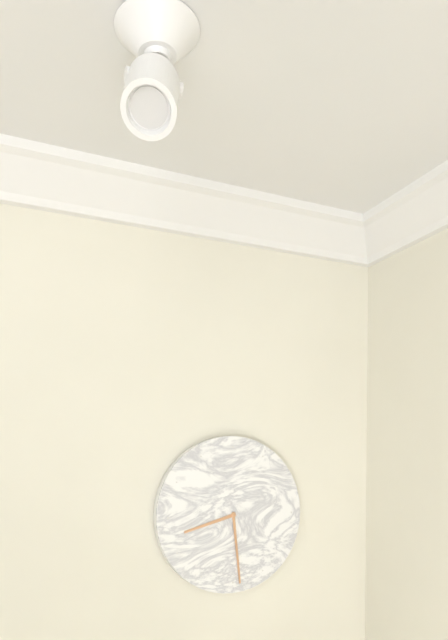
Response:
{"hour": 8, "minute": 29}
